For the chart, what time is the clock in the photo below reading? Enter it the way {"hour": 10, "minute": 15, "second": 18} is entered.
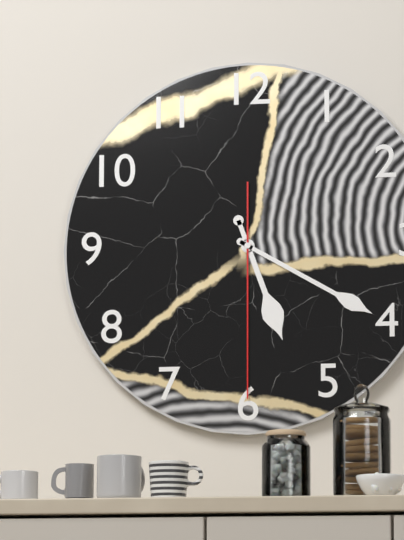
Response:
{"hour": 5, "minute": 20, "second": 30}
